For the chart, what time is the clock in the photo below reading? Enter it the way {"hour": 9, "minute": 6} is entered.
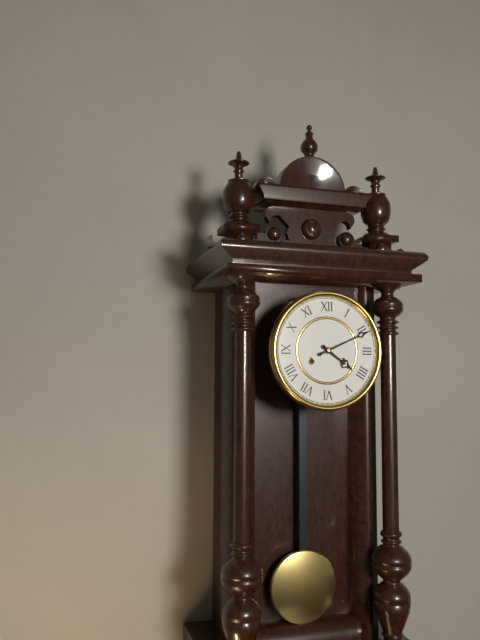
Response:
{"hour": 4, "minute": 11}
